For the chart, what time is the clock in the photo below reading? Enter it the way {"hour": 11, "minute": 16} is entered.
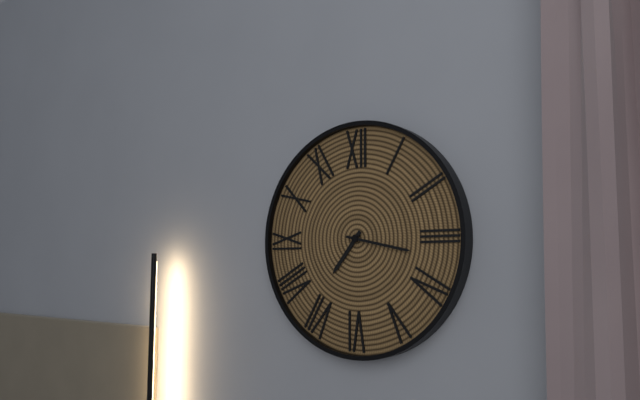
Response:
{"hour": 7, "minute": 17}
